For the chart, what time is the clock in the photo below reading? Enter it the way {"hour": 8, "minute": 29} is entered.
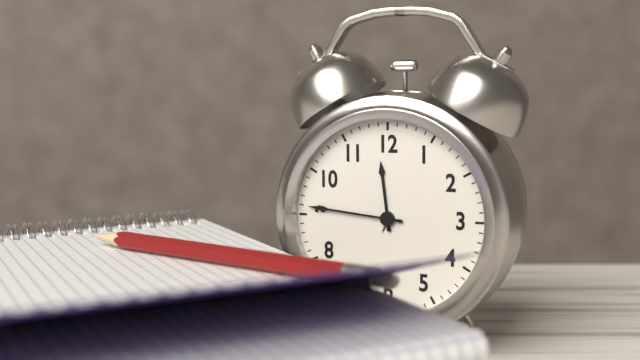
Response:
{"hour": 11, "minute": 46}
